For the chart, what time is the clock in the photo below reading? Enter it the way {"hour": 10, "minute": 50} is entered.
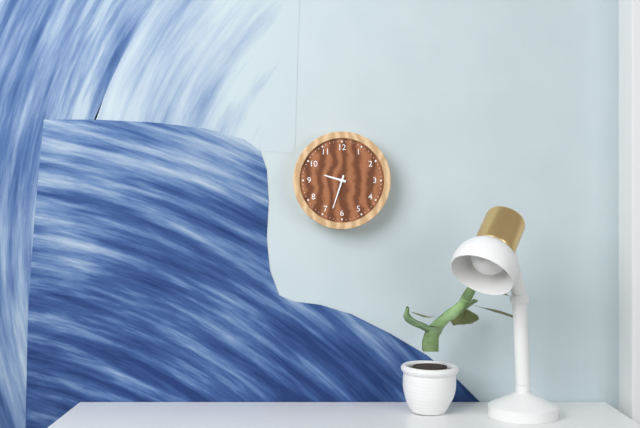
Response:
{"hour": 9, "minute": 33}
